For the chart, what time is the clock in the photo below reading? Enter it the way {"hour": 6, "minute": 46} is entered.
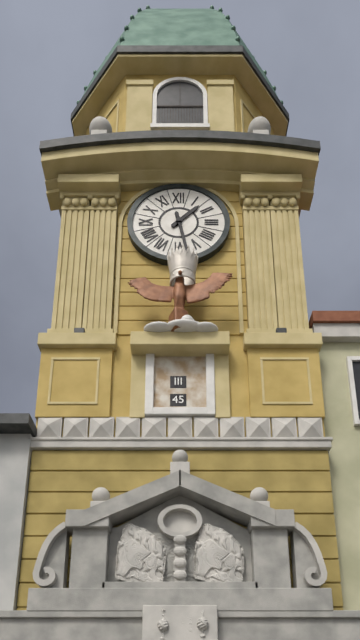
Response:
{"hour": 1, "minute": 28}
